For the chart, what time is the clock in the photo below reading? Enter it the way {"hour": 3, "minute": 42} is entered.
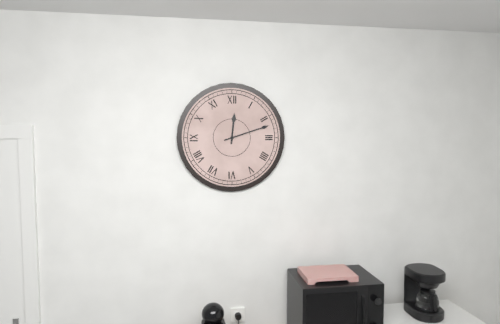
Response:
{"hour": 12, "minute": 12}
